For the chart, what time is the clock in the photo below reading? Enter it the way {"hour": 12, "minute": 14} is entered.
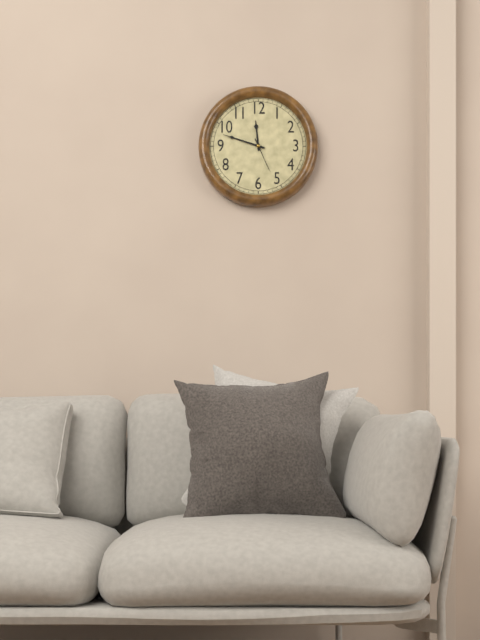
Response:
{"hour": 11, "minute": 48}
